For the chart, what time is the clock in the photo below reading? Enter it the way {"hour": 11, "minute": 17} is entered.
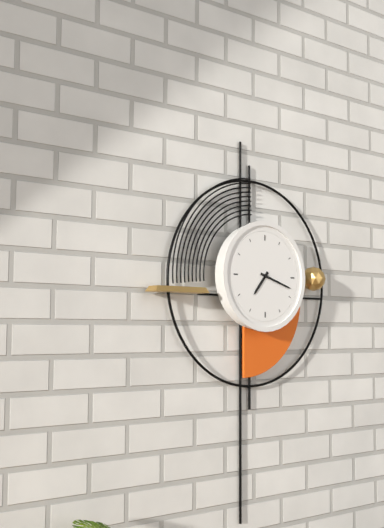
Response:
{"hour": 7, "minute": 18}
